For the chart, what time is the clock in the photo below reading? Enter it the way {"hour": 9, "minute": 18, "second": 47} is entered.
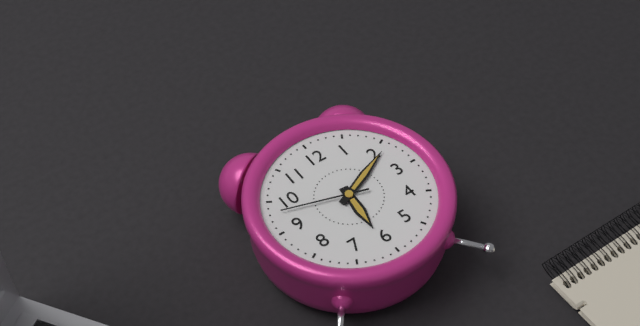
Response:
{"hour": 6, "minute": 11, "second": 48}
